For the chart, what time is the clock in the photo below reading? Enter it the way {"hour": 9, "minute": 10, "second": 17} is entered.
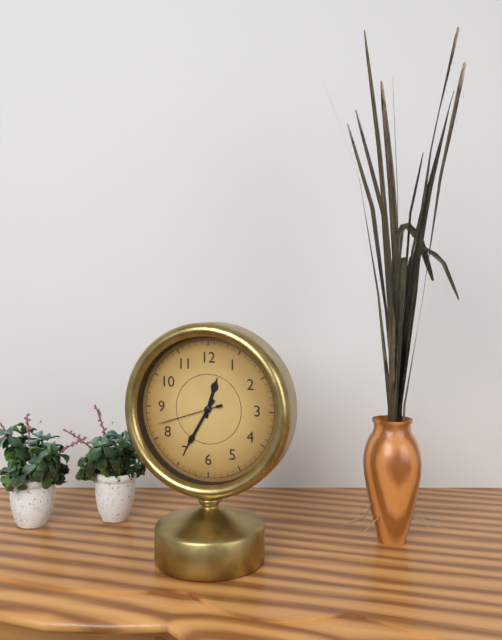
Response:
{"hour": 12, "minute": 35, "second": 42}
